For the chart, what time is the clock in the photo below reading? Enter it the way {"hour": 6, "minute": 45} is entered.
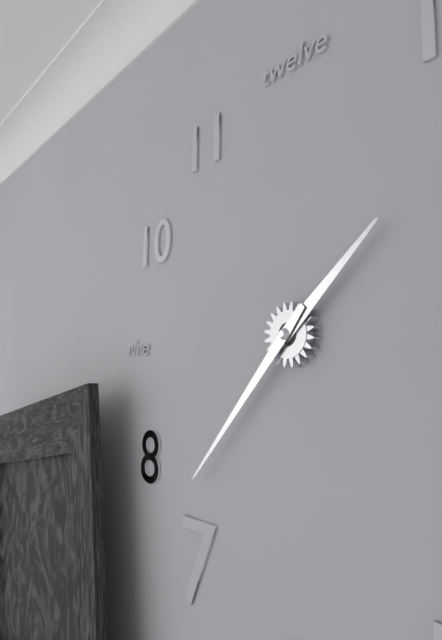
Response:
{"hour": 1, "minute": 37}
